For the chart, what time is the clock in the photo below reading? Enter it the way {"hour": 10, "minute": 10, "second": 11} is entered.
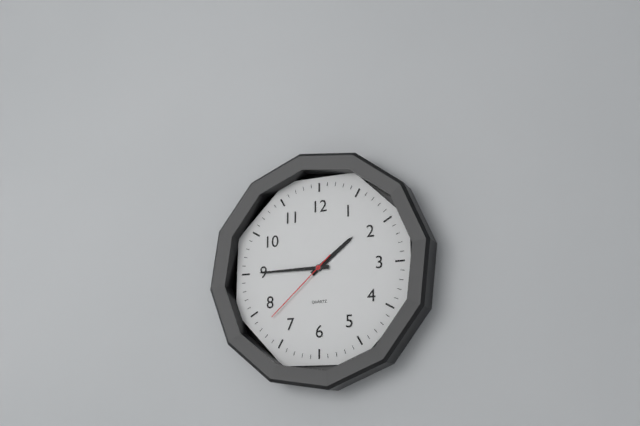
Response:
{"hour": 1, "minute": 45, "second": 38}
